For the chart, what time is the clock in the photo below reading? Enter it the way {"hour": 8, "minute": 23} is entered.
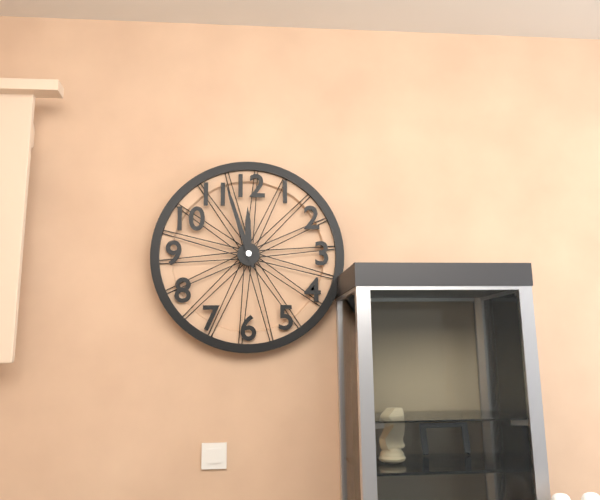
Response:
{"hour": 11, "minute": 57}
